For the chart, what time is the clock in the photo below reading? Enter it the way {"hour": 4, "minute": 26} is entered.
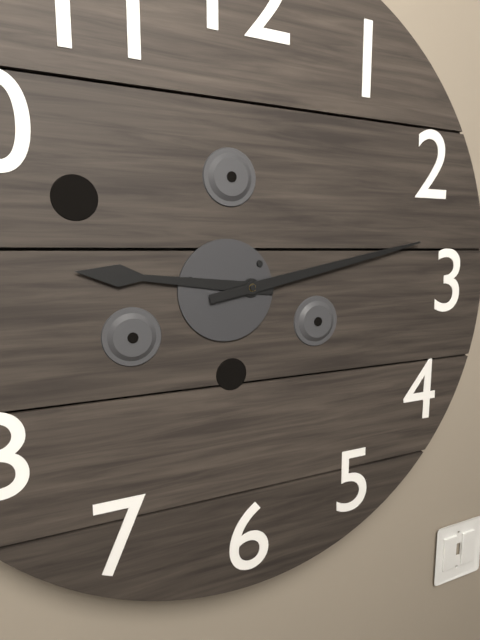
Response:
{"hour": 9, "minute": 13}
